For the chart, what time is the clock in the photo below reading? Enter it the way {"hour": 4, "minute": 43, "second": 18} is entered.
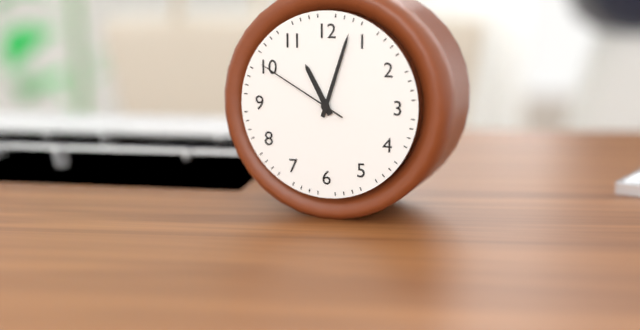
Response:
{"hour": 11, "minute": 3, "second": 50}
